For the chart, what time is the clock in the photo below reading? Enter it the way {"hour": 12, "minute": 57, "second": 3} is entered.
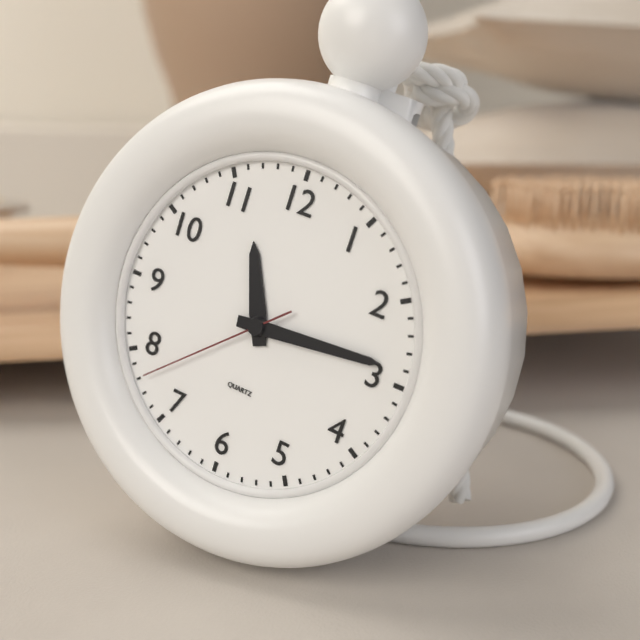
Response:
{"hour": 11, "minute": 14, "second": 38}
